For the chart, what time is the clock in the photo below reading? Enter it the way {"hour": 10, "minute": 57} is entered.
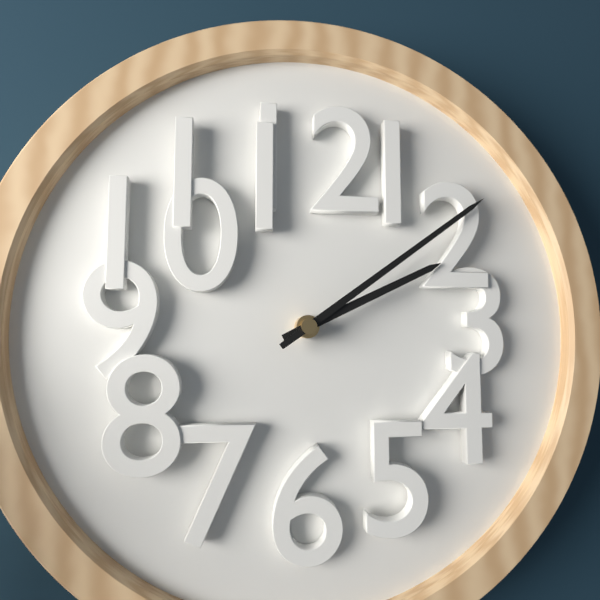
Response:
{"hour": 2, "minute": 9}
